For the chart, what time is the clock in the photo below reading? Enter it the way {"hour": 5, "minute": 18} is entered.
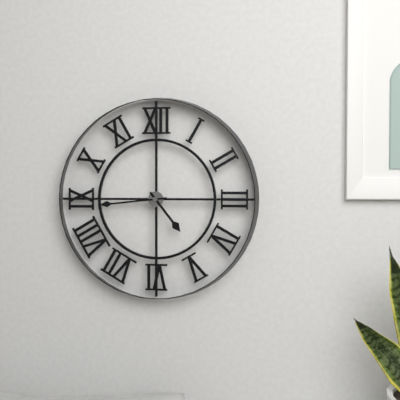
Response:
{"hour": 4, "minute": 44}
